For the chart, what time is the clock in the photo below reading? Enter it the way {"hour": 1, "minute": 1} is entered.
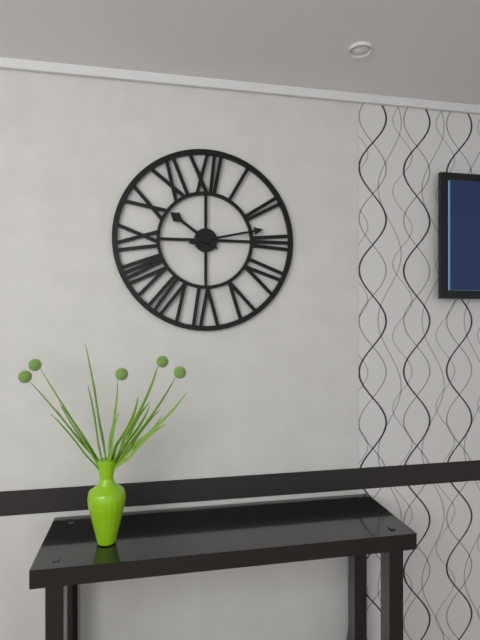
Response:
{"hour": 10, "minute": 13}
